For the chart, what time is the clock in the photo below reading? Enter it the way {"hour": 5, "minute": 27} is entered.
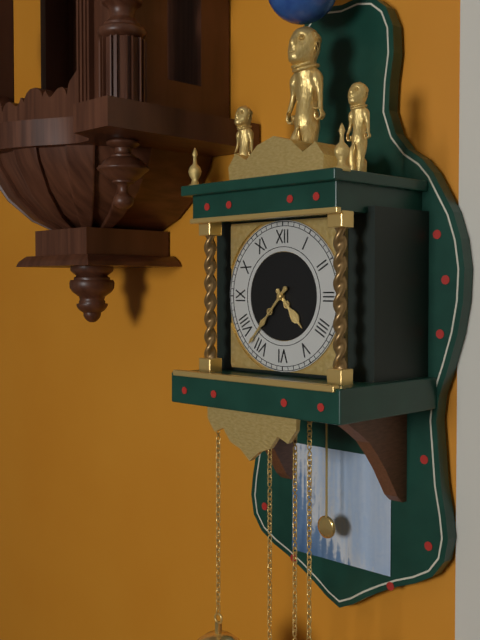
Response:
{"hour": 4, "minute": 37}
